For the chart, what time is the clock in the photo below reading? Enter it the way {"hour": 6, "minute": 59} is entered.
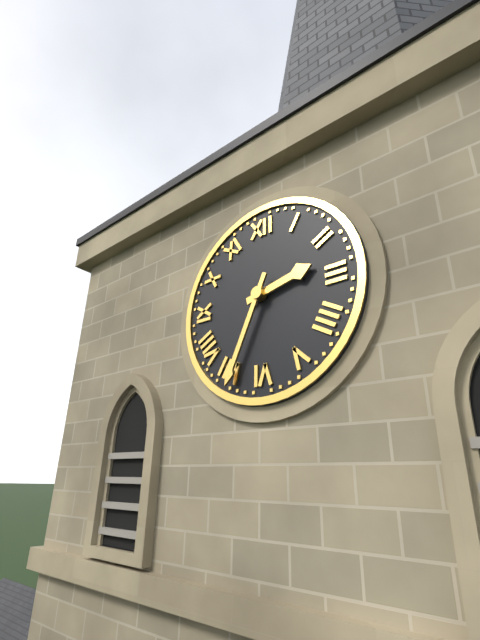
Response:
{"hour": 2, "minute": 34}
